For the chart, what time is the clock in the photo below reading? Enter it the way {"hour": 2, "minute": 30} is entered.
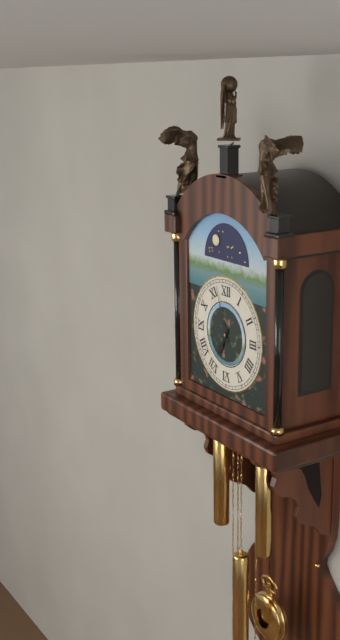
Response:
{"hour": 6, "minute": 57}
